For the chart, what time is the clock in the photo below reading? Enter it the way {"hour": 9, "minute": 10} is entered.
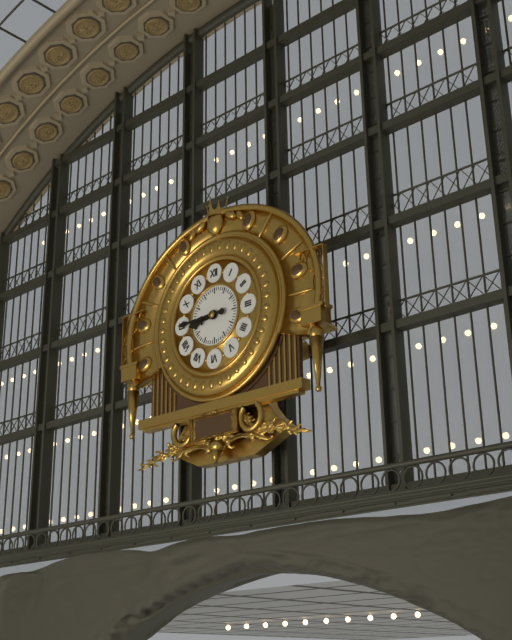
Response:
{"hour": 8, "minute": 45}
